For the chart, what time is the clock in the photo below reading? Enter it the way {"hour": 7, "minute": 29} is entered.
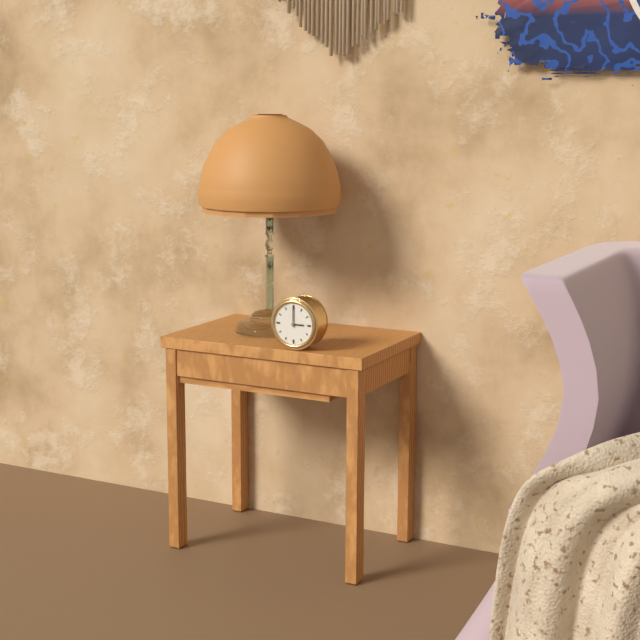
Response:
{"hour": 3, "minute": 0}
